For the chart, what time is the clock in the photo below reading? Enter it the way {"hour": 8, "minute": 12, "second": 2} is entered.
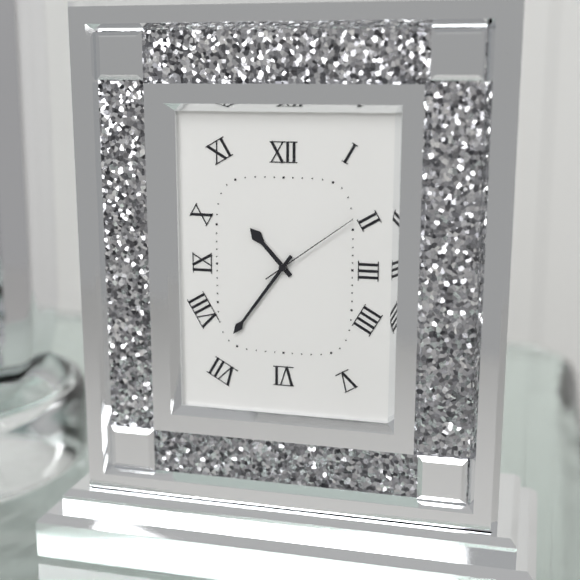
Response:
{"hour": 10, "minute": 36, "second": 9}
